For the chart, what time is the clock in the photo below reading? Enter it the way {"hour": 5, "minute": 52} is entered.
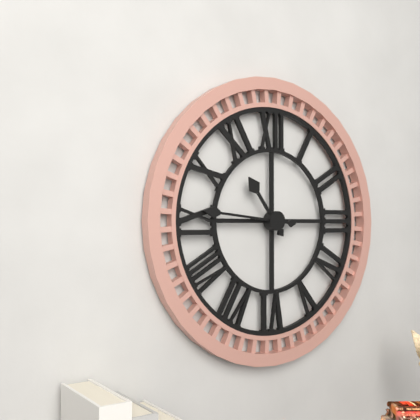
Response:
{"hour": 10, "minute": 46}
